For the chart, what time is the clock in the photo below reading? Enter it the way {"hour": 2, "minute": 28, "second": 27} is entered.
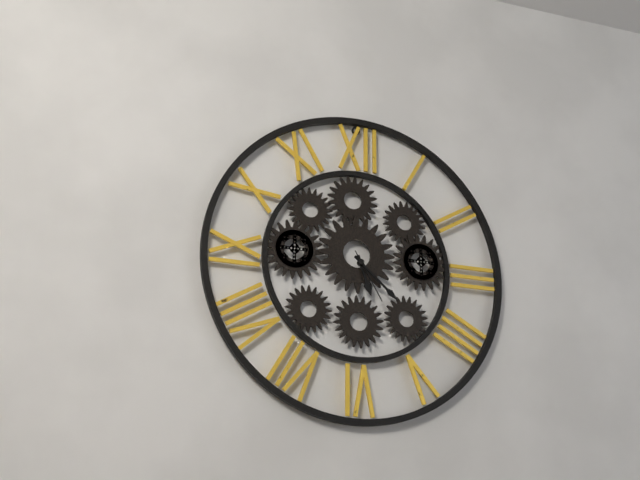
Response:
{"hour": 5, "minute": 22, "second": 25}
